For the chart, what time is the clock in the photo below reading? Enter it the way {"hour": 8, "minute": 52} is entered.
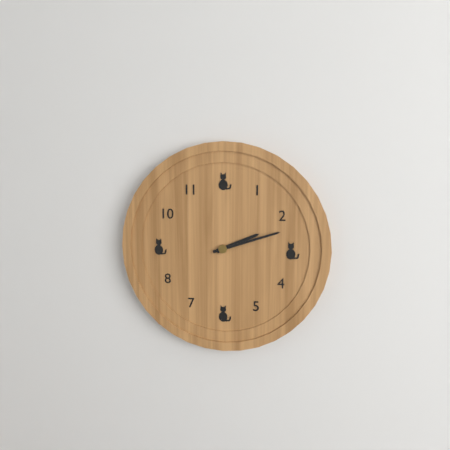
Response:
{"hour": 2, "minute": 12}
